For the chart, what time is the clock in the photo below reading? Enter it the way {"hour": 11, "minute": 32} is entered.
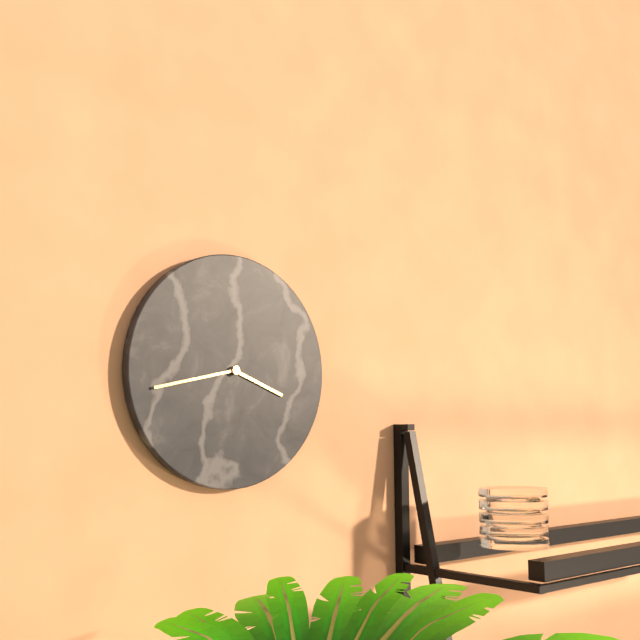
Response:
{"hour": 3, "minute": 43}
